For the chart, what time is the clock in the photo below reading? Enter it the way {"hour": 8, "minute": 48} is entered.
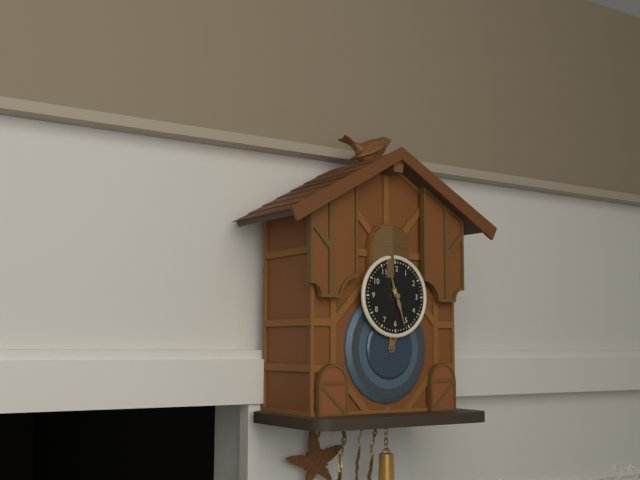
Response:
{"hour": 11, "minute": 27}
